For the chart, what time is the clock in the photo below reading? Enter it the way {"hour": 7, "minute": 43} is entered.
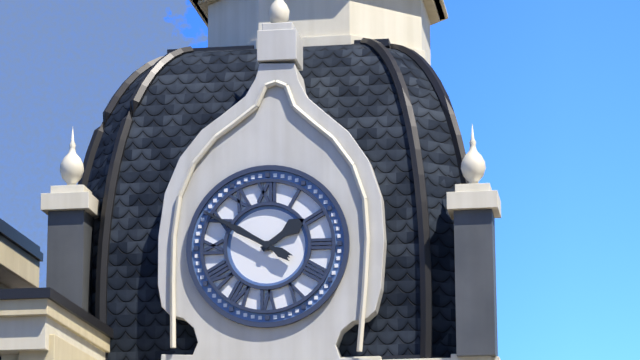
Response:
{"hour": 1, "minute": 50}
